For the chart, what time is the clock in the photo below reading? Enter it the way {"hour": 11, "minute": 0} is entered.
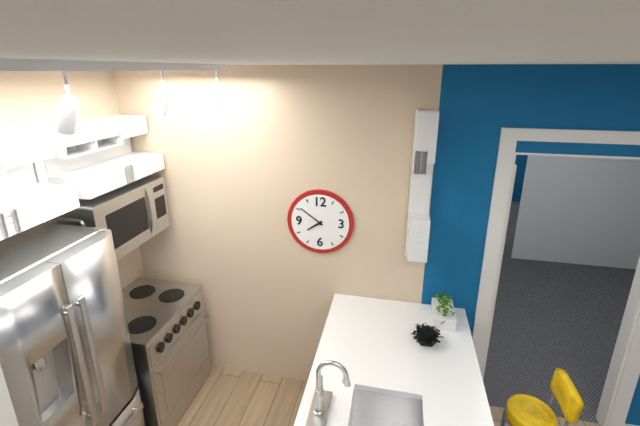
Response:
{"hour": 7, "minute": 51}
